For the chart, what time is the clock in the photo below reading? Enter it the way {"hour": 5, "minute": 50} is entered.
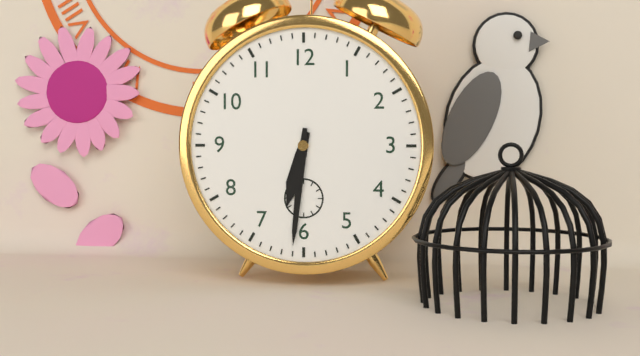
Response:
{"hour": 6, "minute": 31}
